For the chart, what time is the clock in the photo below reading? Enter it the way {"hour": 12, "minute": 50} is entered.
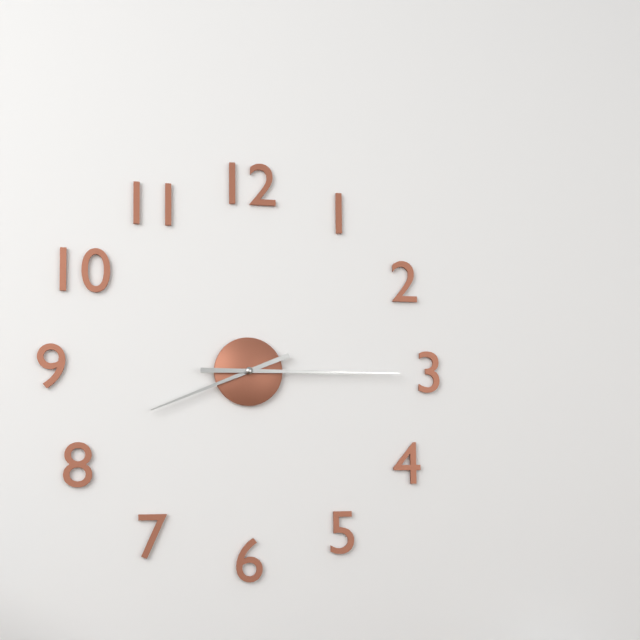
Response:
{"hour": 8, "minute": 15}
